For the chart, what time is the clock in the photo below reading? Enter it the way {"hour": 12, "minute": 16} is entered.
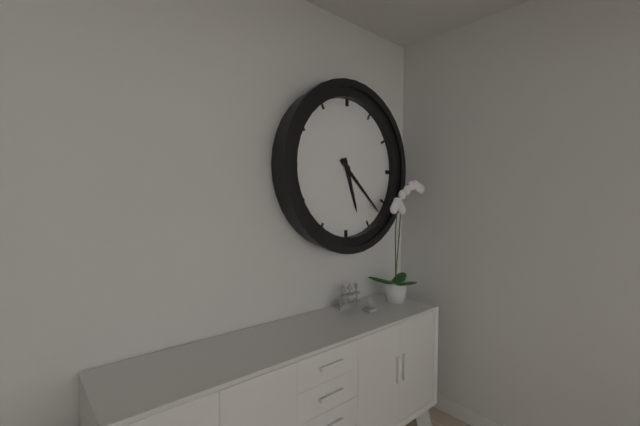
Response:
{"hour": 5, "minute": 22}
